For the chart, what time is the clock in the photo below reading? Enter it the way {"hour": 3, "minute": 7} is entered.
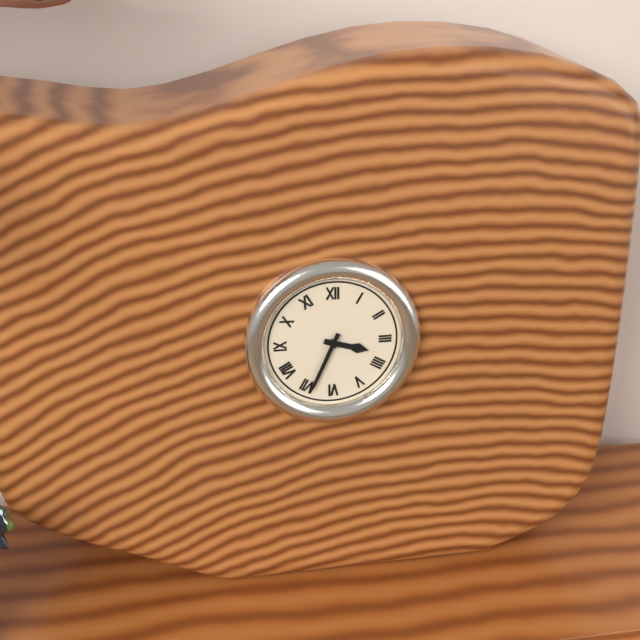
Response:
{"hour": 3, "minute": 34}
